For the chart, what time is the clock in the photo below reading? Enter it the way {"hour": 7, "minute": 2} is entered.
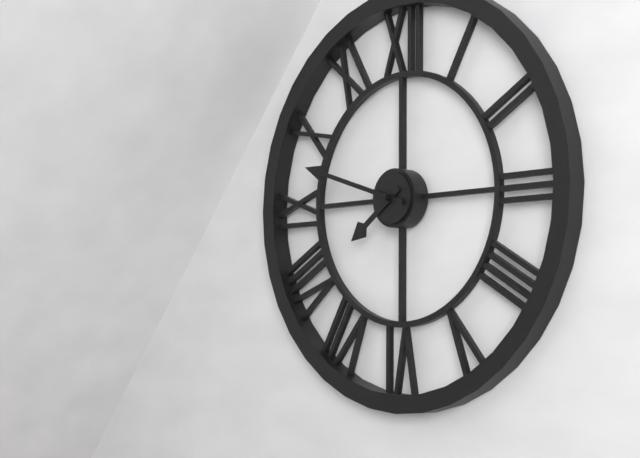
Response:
{"hour": 7, "minute": 48}
